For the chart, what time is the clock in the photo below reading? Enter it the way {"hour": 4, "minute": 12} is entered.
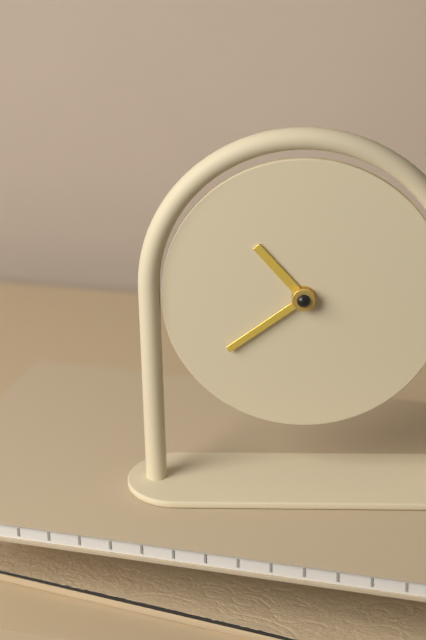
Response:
{"hour": 10, "minute": 39}
